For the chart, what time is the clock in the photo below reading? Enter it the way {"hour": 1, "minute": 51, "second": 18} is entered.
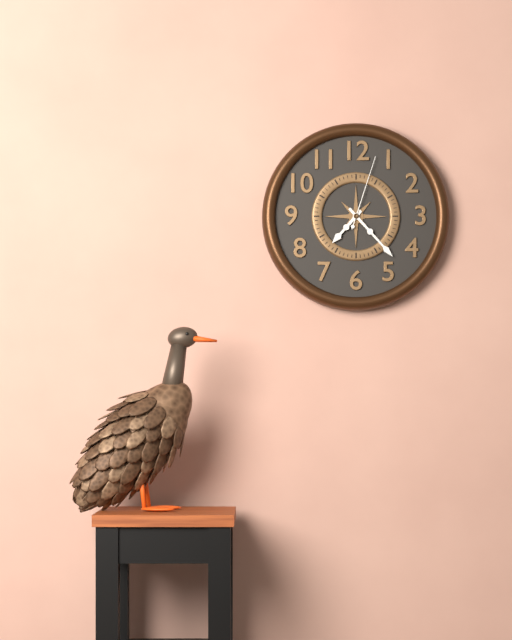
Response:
{"hour": 7, "minute": 23, "second": 3}
